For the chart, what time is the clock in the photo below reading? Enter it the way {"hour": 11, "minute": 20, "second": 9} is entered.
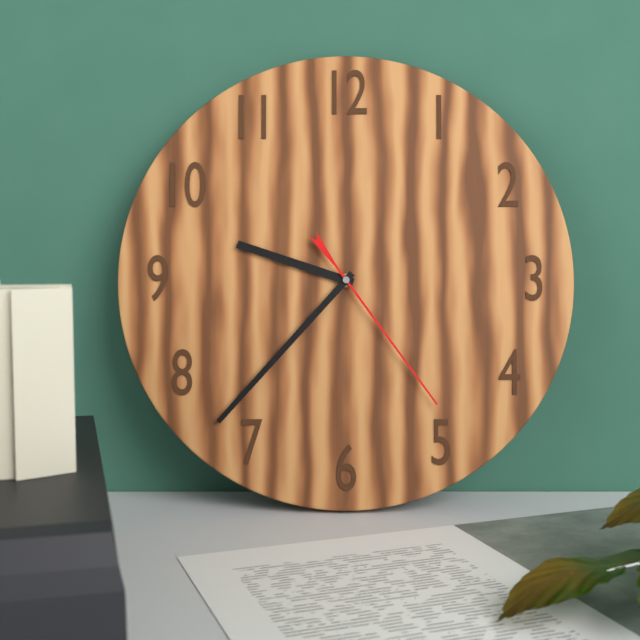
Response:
{"hour": 9, "minute": 37, "second": 24}
